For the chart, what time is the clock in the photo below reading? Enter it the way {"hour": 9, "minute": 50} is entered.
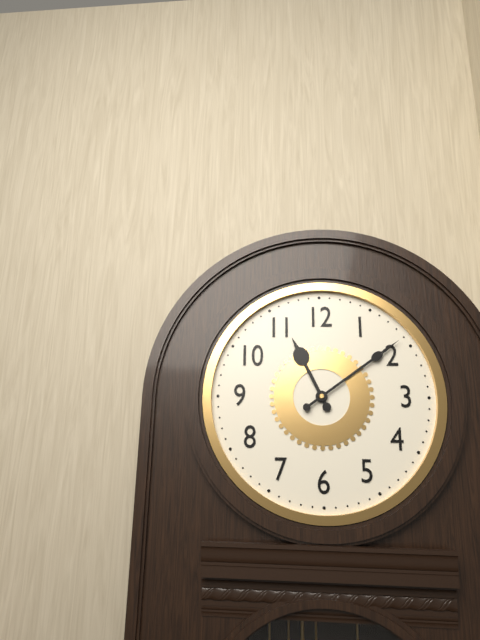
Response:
{"hour": 11, "minute": 9}
